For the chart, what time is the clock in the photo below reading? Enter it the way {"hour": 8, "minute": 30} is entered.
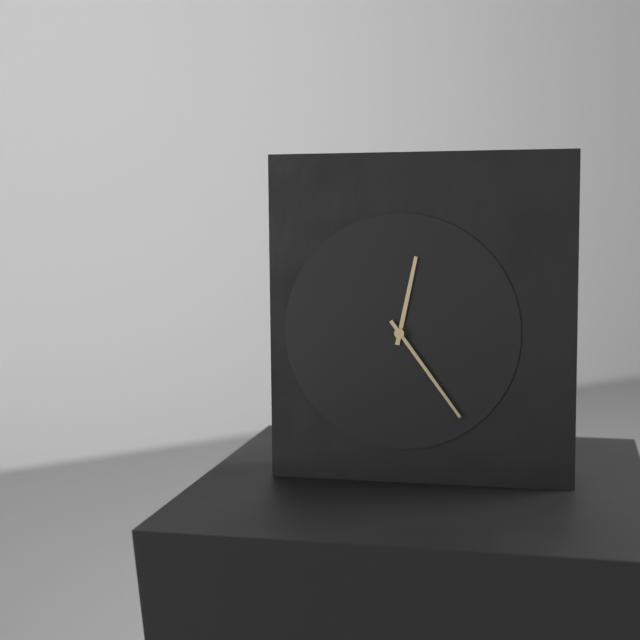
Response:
{"hour": 12, "minute": 24}
